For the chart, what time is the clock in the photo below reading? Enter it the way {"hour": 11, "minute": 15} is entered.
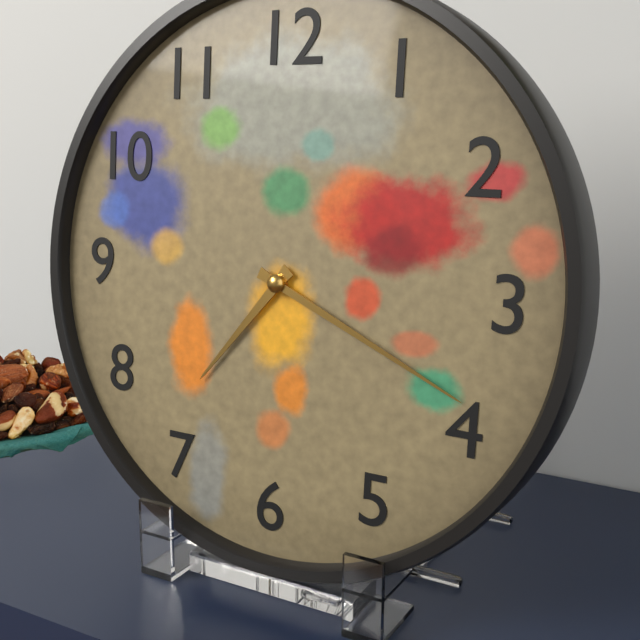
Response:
{"hour": 7, "minute": 19}
